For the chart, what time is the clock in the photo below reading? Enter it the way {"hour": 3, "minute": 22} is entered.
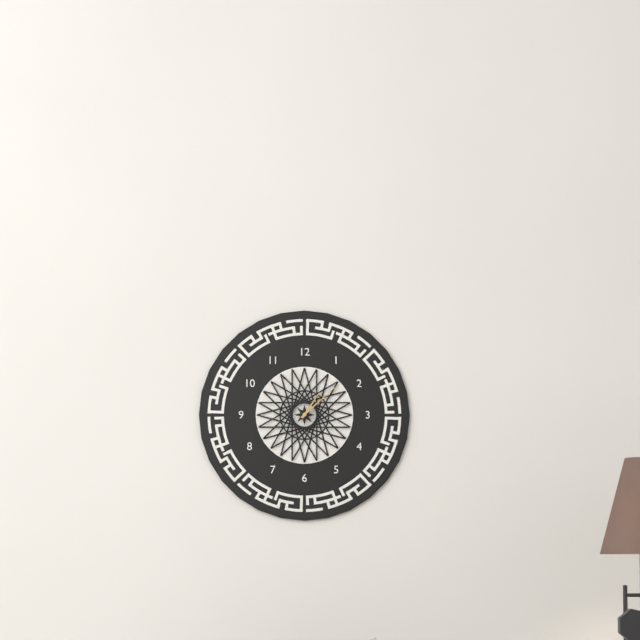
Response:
{"hour": 1, "minute": 8}
